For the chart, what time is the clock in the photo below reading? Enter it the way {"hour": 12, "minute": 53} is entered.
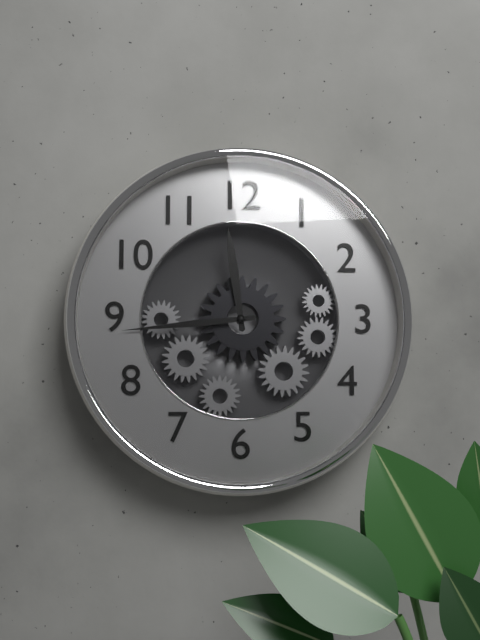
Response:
{"hour": 11, "minute": 44}
